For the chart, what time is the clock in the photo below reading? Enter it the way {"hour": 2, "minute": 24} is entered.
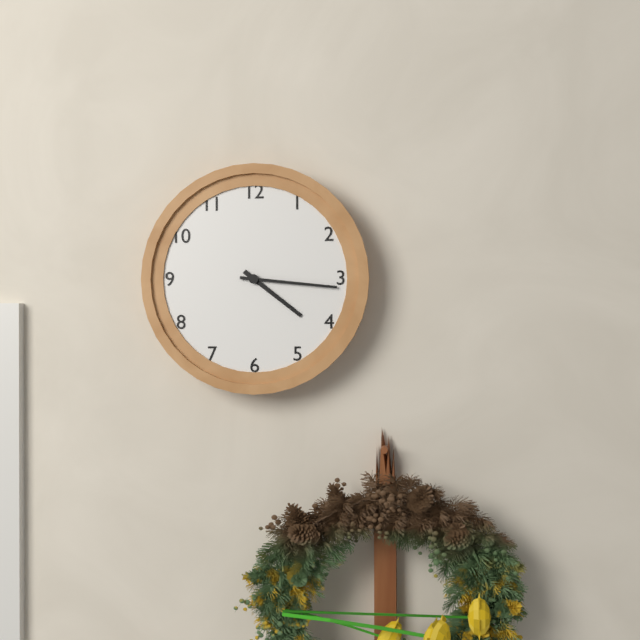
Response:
{"hour": 4, "minute": 16}
